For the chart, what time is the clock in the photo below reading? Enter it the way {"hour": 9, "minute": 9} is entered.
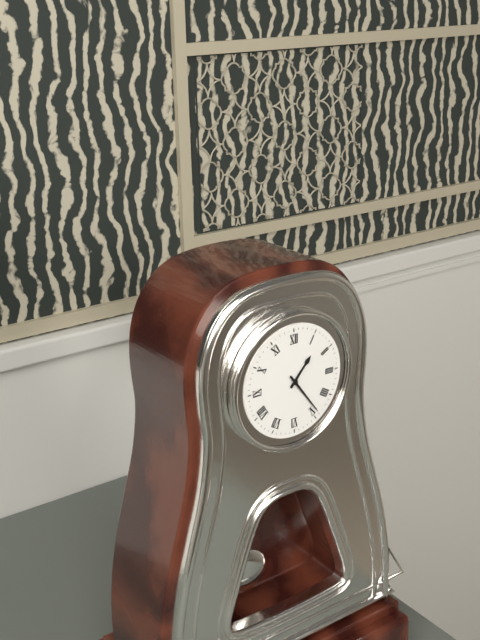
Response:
{"hour": 1, "minute": 24}
